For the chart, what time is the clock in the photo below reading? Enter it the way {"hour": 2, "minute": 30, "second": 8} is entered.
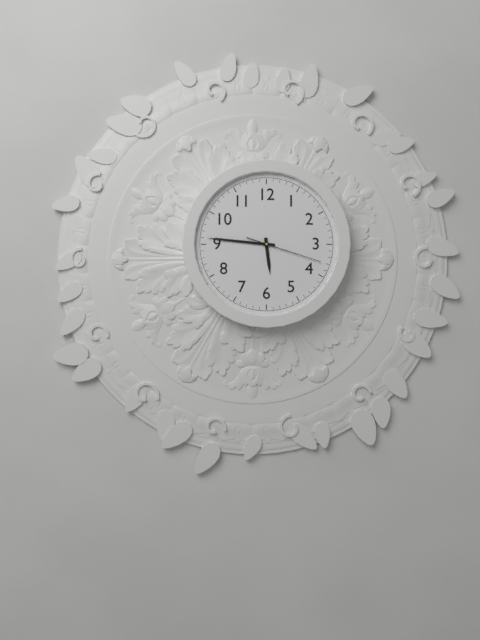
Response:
{"hour": 5, "minute": 46, "second": 18}
